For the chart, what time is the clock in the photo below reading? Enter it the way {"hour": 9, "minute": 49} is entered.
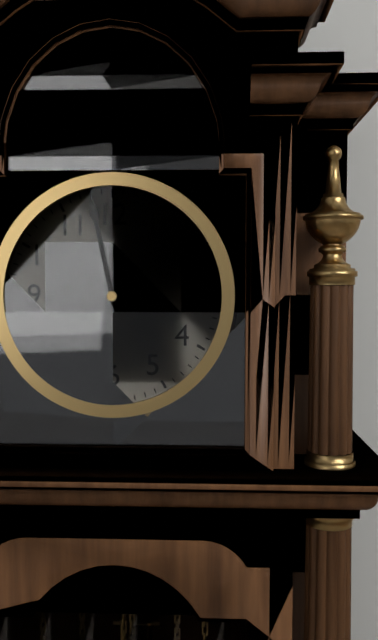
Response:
{"hour": 8, "minute": 58}
